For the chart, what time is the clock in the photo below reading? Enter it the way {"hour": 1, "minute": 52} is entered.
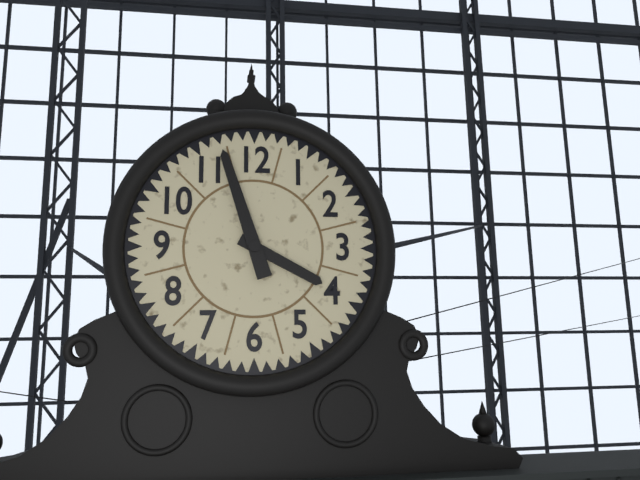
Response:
{"hour": 3, "minute": 57}
